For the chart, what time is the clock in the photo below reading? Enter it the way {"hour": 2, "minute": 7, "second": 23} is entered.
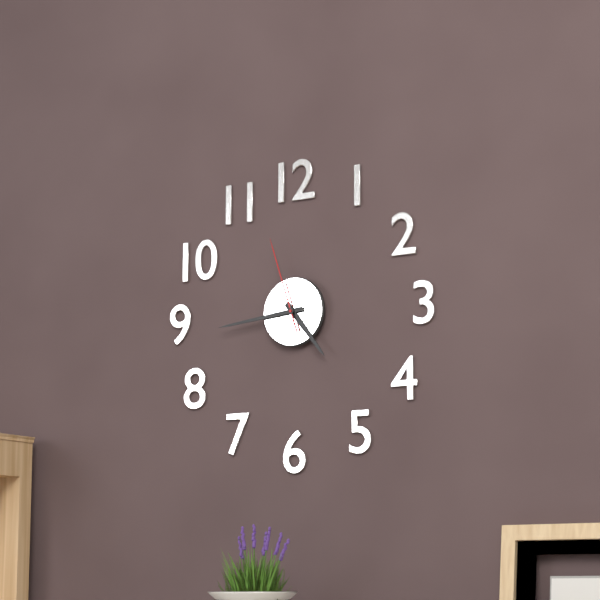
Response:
{"hour": 4, "minute": 44, "second": 57}
